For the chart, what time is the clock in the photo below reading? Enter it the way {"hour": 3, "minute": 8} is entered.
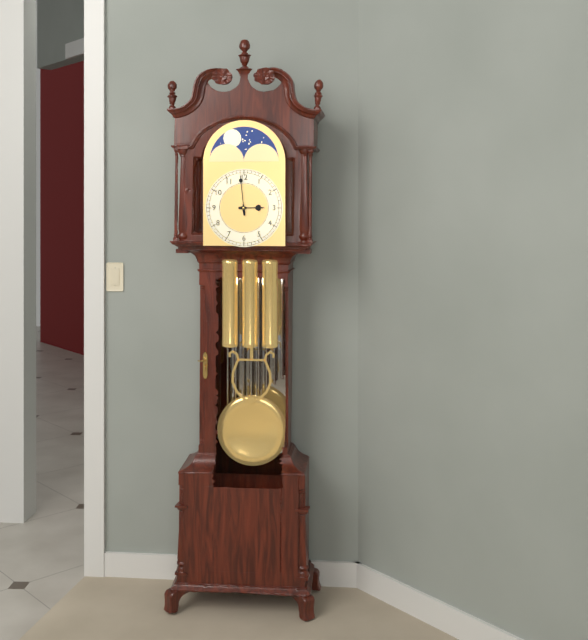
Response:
{"hour": 2, "minute": 59}
